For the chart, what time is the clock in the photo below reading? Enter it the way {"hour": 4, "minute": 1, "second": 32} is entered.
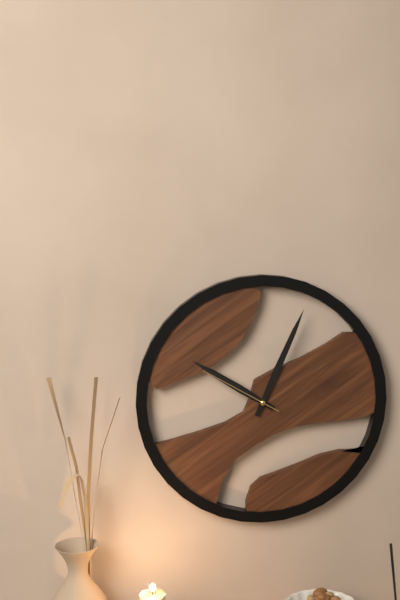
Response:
{"hour": 10, "minute": 4, "second": 50}
